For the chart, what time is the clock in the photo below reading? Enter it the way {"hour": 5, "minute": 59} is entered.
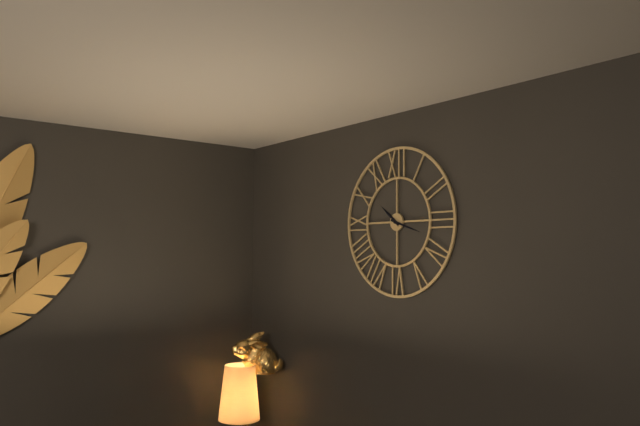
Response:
{"hour": 10, "minute": 18}
